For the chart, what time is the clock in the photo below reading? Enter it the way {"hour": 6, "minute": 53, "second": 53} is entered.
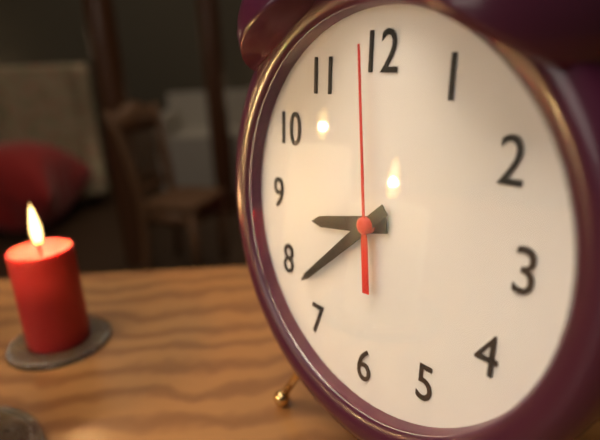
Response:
{"hour": 8, "minute": 38, "second": 59}
